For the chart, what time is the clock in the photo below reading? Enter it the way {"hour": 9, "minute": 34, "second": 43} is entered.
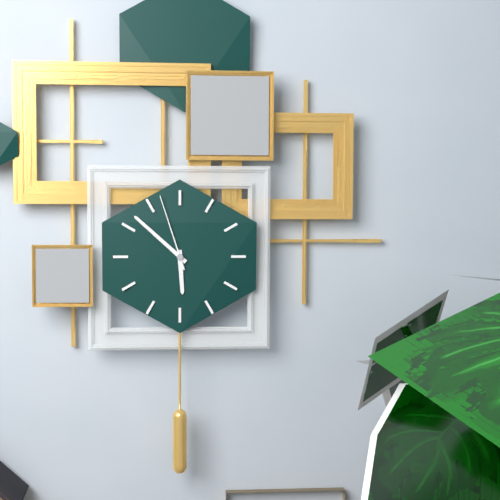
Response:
{"hour": 5, "minute": 52, "second": 57}
